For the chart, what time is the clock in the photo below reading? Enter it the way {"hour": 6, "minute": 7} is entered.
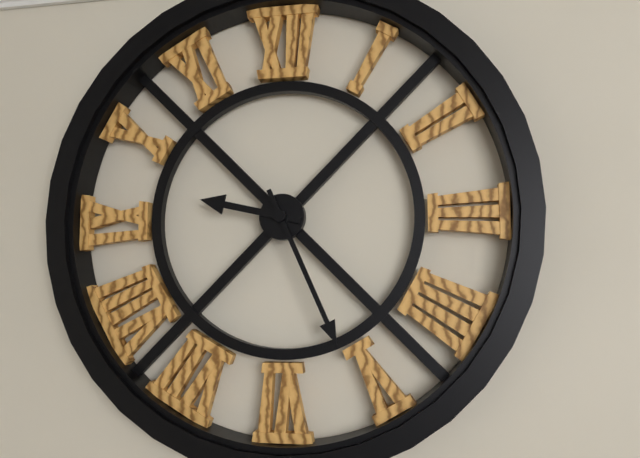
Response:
{"hour": 9, "minute": 26}
